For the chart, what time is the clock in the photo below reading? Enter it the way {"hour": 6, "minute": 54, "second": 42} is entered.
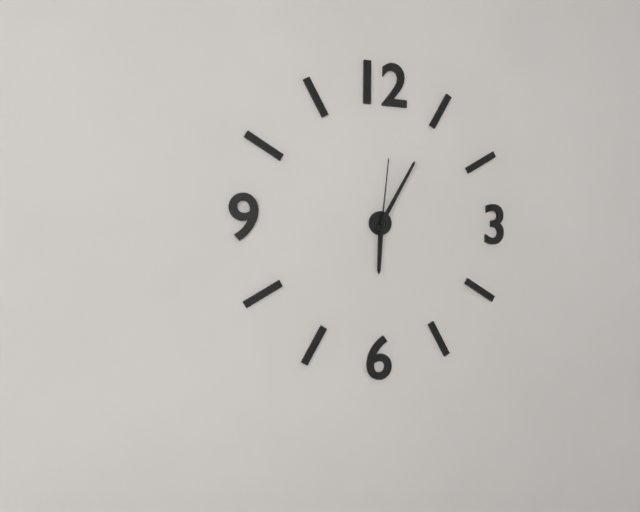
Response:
{"hour": 6, "minute": 5, "second": 1}
